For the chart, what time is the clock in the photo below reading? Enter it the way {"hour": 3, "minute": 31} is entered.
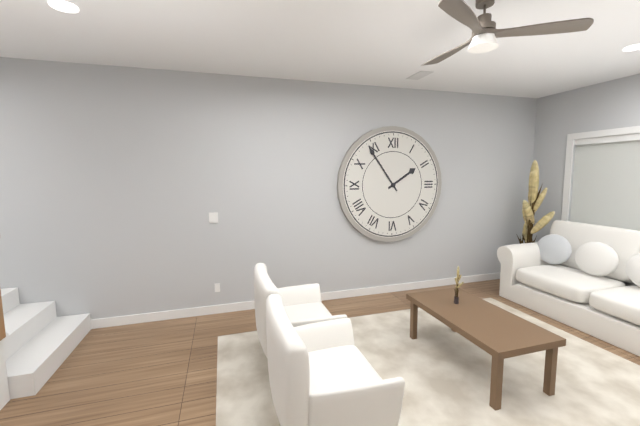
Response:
{"hour": 1, "minute": 54}
